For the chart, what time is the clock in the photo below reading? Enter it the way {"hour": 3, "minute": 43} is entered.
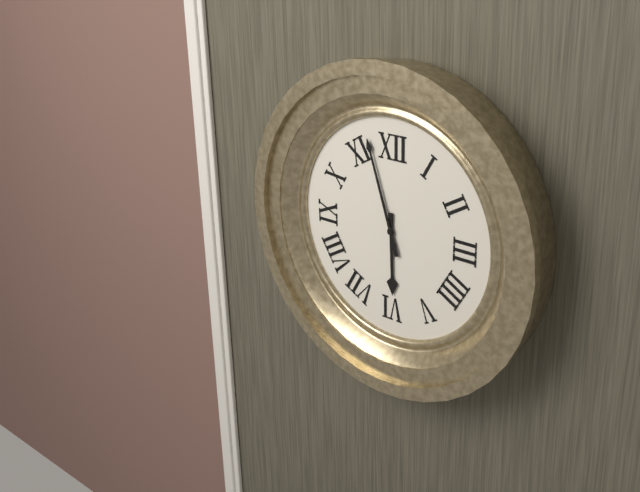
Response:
{"hour": 5, "minute": 57}
